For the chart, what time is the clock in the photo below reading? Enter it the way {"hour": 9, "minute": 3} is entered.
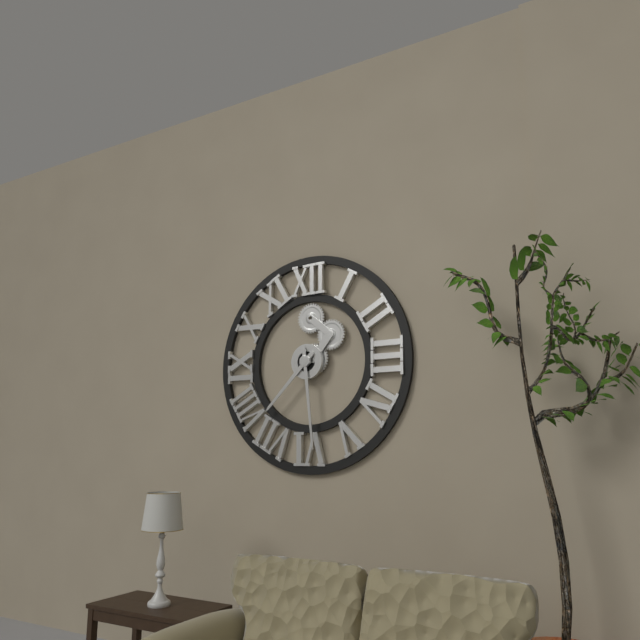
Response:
{"hour": 7, "minute": 29}
